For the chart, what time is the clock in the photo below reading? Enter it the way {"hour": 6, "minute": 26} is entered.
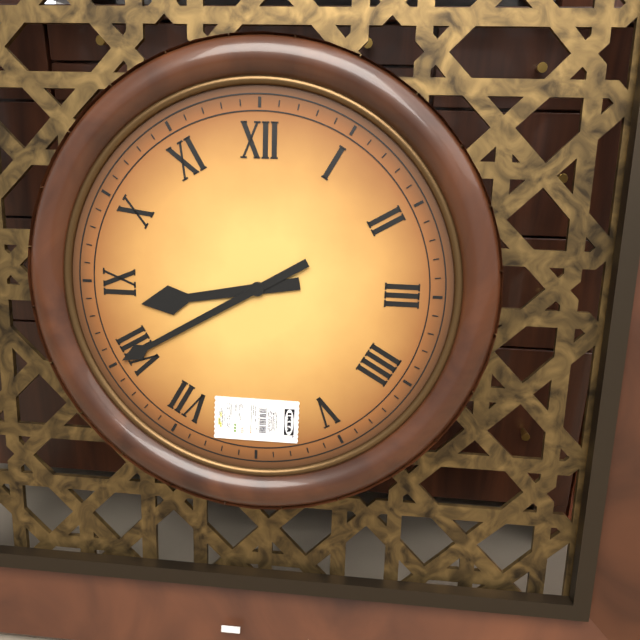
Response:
{"hour": 8, "minute": 40}
